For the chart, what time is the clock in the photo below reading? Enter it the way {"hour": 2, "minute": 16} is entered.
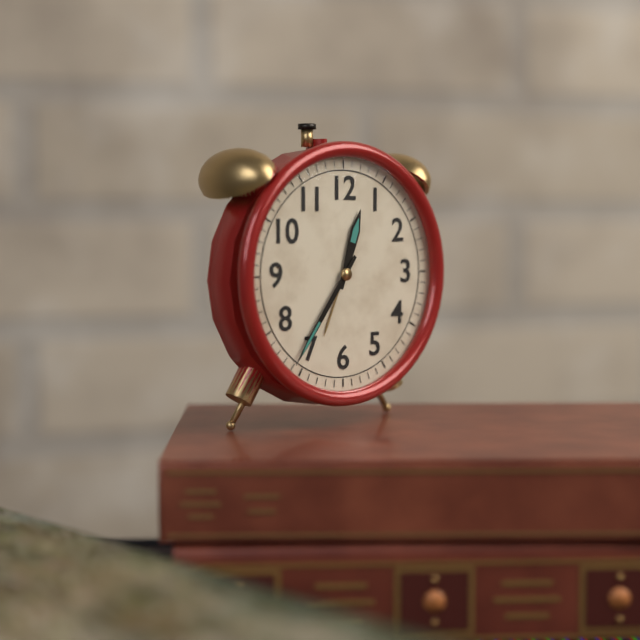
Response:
{"hour": 12, "minute": 36}
